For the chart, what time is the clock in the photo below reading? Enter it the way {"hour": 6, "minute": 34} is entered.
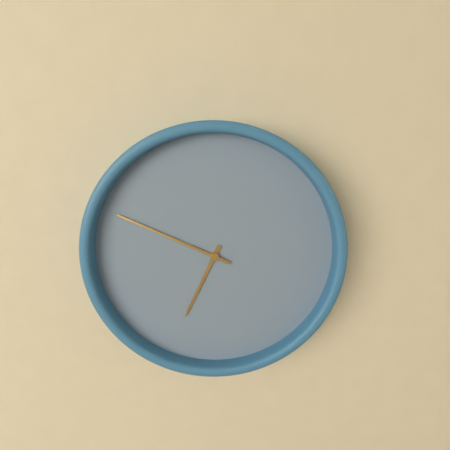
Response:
{"hour": 6, "minute": 49}
